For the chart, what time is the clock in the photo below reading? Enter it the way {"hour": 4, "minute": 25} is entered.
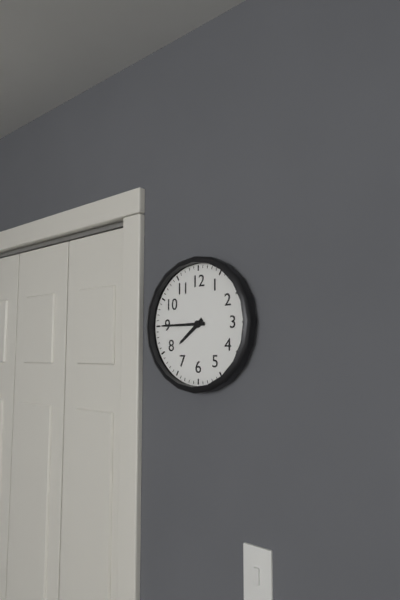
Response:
{"hour": 7, "minute": 45}
